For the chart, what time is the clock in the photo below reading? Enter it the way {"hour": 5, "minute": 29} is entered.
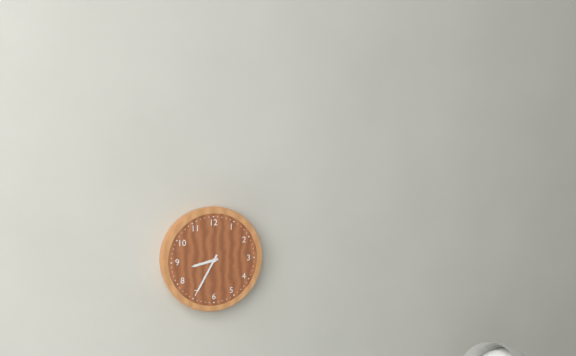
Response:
{"hour": 8, "minute": 35}
